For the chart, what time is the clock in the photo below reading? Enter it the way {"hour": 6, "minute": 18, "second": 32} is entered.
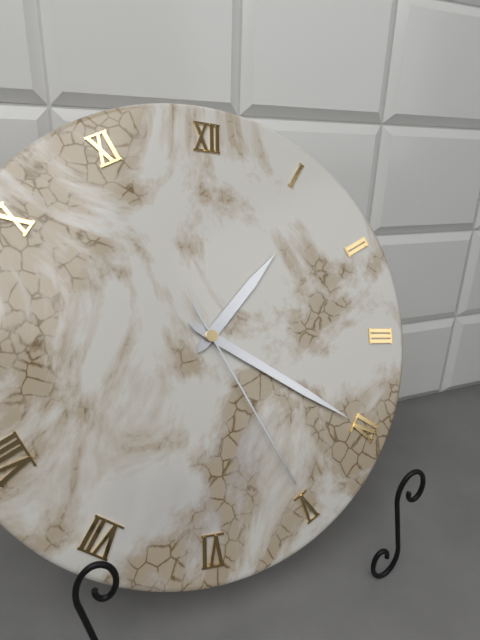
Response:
{"hour": 1, "minute": 20, "second": 25}
